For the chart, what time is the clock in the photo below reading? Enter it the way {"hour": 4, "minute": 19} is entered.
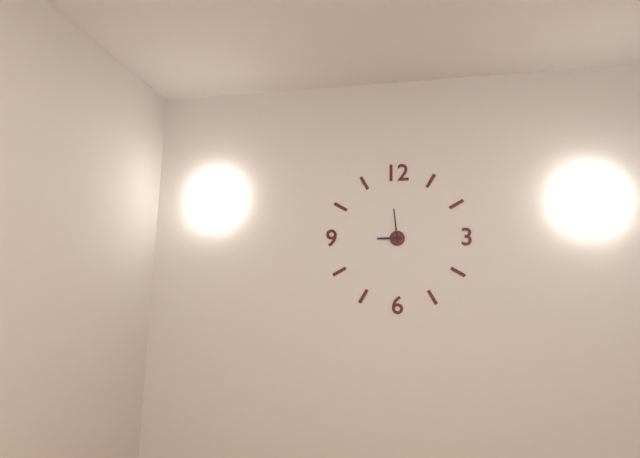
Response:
{"hour": 8, "minute": 59}
